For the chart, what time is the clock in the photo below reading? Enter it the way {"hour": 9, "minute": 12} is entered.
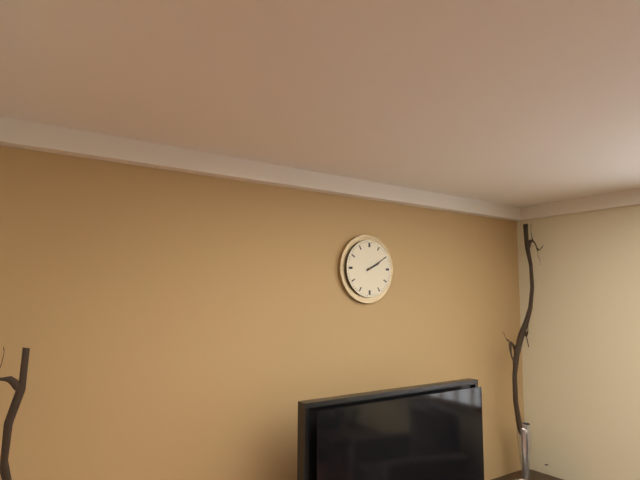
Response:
{"hour": 2, "minute": 10}
